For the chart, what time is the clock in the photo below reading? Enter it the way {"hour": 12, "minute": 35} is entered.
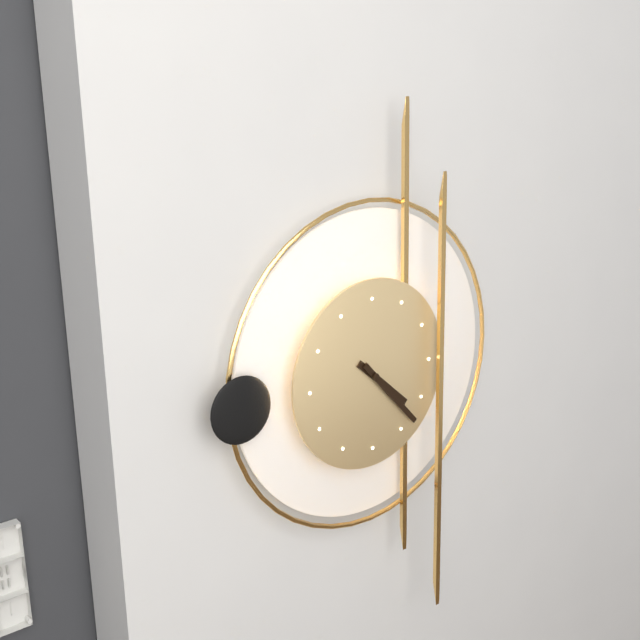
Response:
{"hour": 4, "minute": 23}
